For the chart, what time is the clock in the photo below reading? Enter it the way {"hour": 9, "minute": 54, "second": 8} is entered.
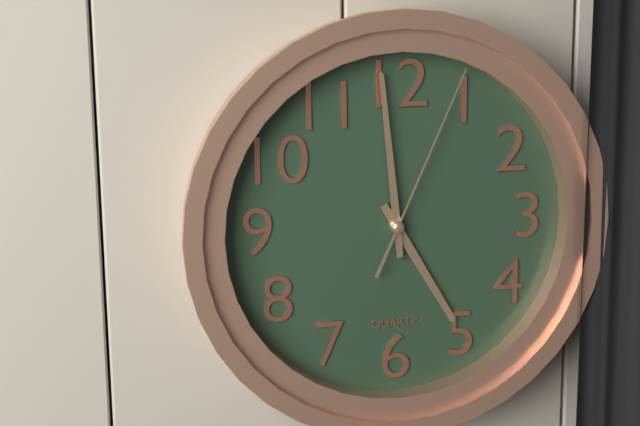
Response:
{"hour": 4, "minute": 59, "second": 4}
